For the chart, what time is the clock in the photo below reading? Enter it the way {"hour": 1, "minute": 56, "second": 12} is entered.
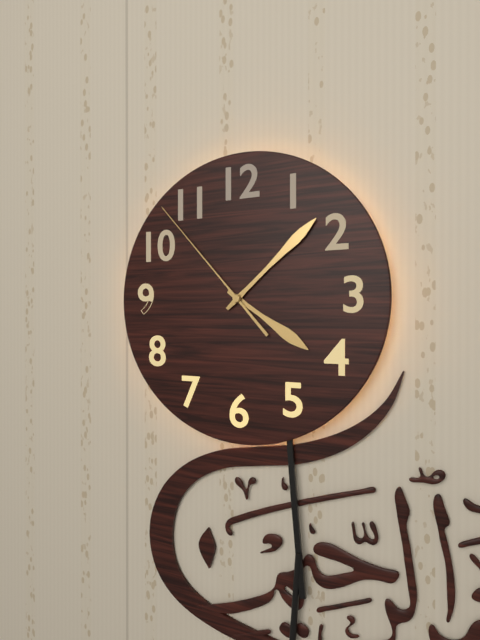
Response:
{"hour": 4, "minute": 8, "second": 53}
